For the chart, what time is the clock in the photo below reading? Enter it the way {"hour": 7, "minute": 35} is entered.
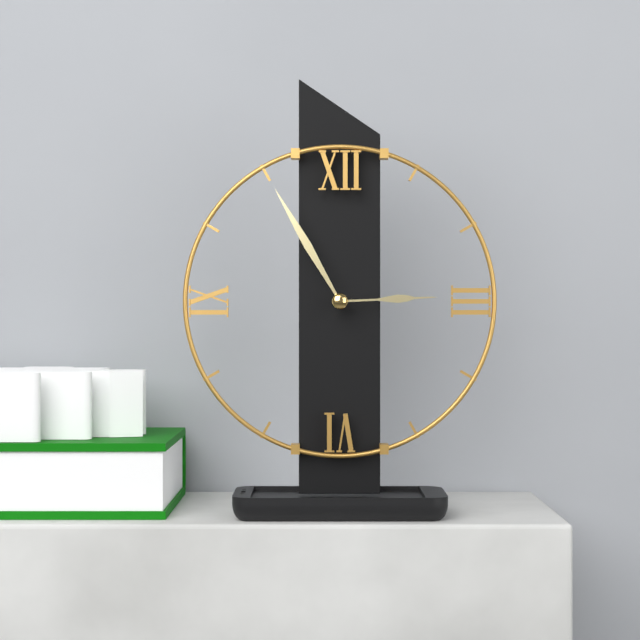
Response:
{"hour": 2, "minute": 55}
